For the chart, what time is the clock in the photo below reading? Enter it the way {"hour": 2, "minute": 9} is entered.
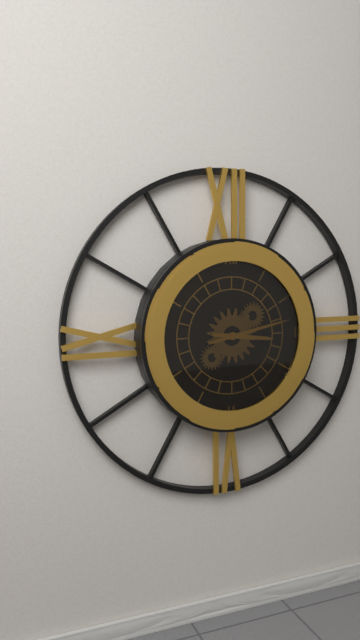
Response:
{"hour": 3, "minute": 13}
